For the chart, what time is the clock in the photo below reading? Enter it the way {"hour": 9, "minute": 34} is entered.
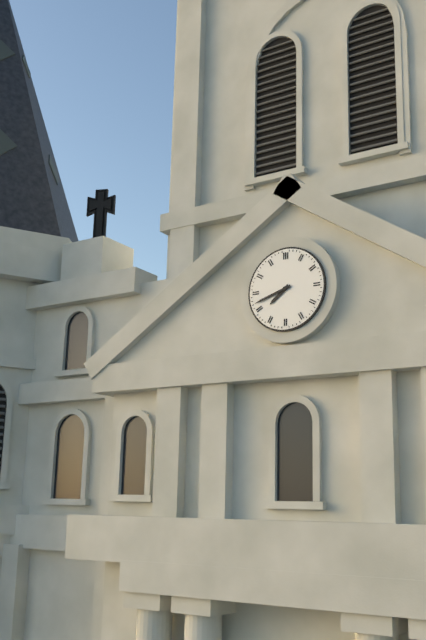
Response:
{"hour": 7, "minute": 42}
